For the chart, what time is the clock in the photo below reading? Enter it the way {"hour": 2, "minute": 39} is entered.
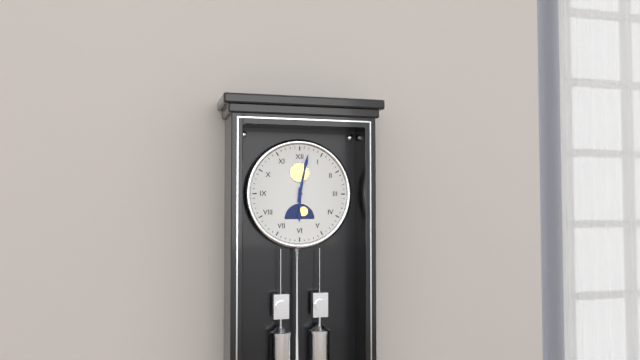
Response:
{"hour": 6, "minute": 2}
